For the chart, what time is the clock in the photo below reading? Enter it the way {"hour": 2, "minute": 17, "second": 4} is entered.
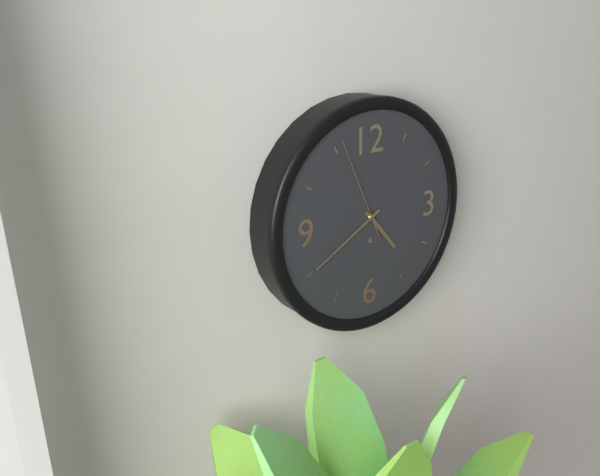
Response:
{"hour": 4, "minute": 40, "second": 56}
